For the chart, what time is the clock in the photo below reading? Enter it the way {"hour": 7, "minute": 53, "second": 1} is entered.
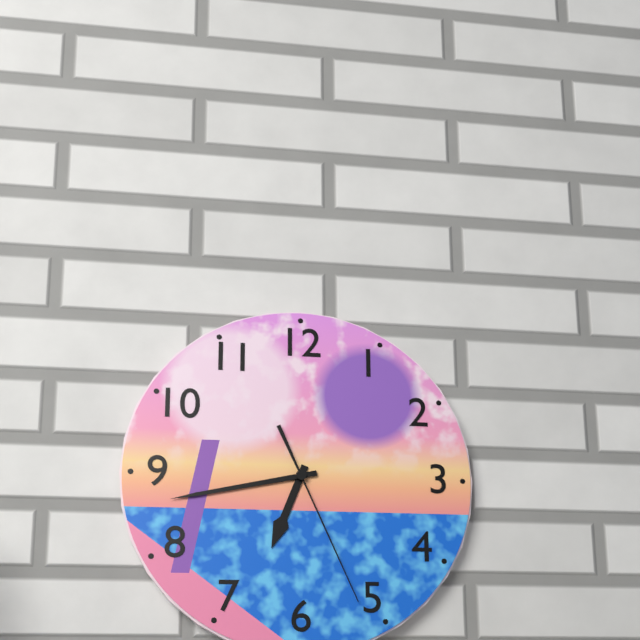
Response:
{"hour": 6, "minute": 43, "second": 26}
